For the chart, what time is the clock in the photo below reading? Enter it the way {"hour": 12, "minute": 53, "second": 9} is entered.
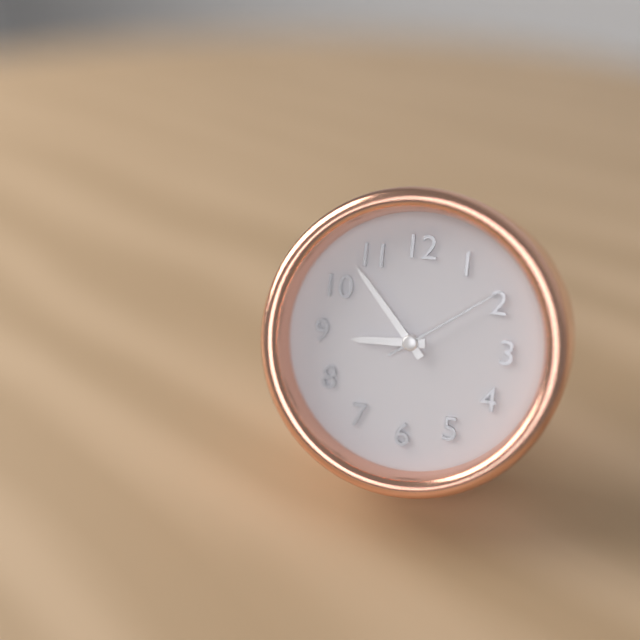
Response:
{"hour": 8, "minute": 53, "second": 9}
